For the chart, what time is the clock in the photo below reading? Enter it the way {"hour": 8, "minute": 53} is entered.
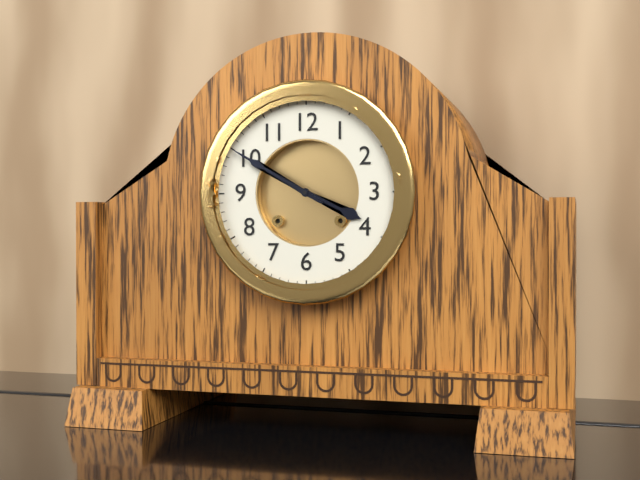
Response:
{"hour": 3, "minute": 50}
